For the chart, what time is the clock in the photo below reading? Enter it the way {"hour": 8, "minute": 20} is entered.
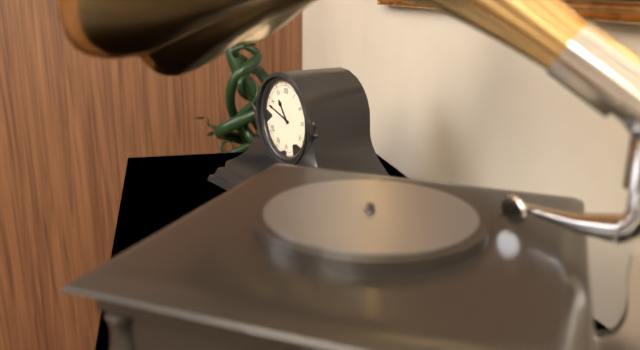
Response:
{"hour": 10, "minute": 48}
